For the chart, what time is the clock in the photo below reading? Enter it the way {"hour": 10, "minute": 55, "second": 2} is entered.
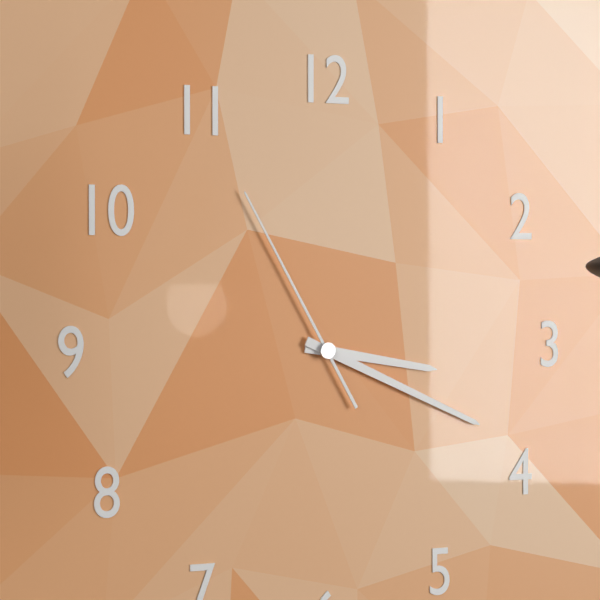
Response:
{"hour": 3, "minute": 19, "second": 55}
